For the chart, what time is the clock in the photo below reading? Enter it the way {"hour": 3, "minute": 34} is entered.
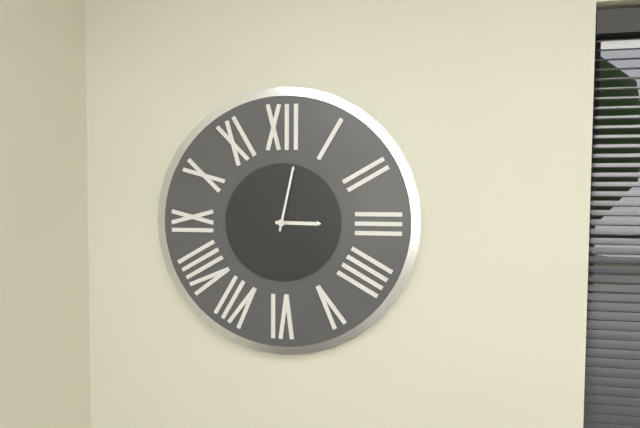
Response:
{"hour": 3, "minute": 2}
